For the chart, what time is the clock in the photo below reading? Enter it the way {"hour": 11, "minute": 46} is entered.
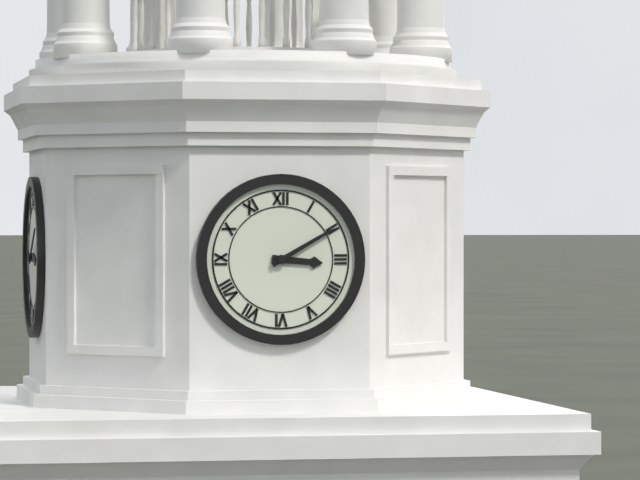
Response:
{"hour": 3, "minute": 10}
